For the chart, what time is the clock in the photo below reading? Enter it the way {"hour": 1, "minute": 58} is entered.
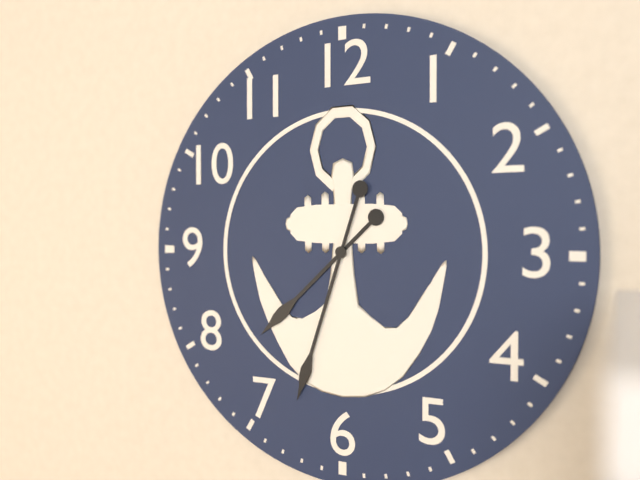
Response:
{"hour": 7, "minute": 33}
